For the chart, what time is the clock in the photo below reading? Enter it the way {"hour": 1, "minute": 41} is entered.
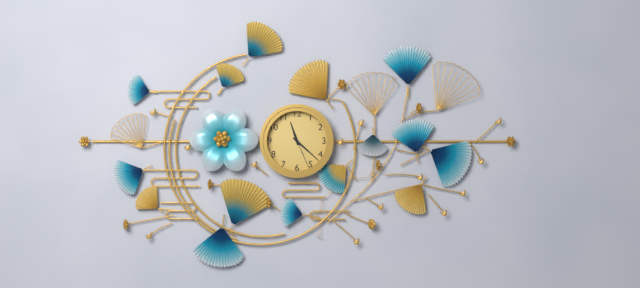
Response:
{"hour": 11, "minute": 22}
